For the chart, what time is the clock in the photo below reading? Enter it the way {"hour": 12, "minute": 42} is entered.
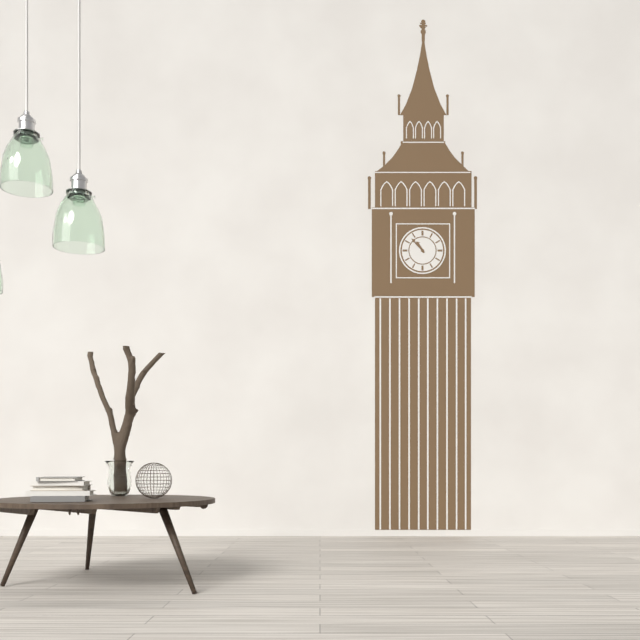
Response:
{"hour": 10, "minute": 53}
